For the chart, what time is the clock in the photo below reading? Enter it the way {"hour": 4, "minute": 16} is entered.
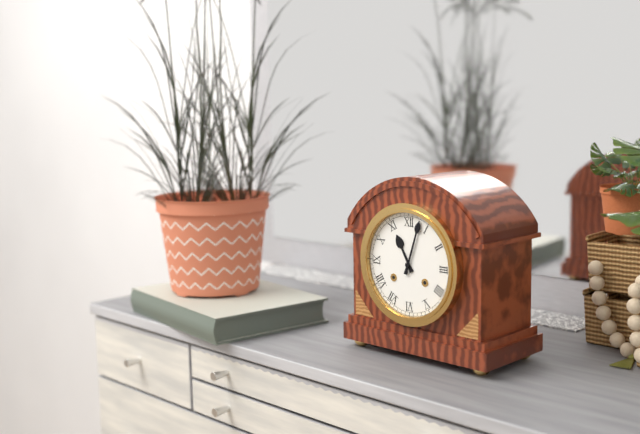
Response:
{"hour": 11, "minute": 3}
